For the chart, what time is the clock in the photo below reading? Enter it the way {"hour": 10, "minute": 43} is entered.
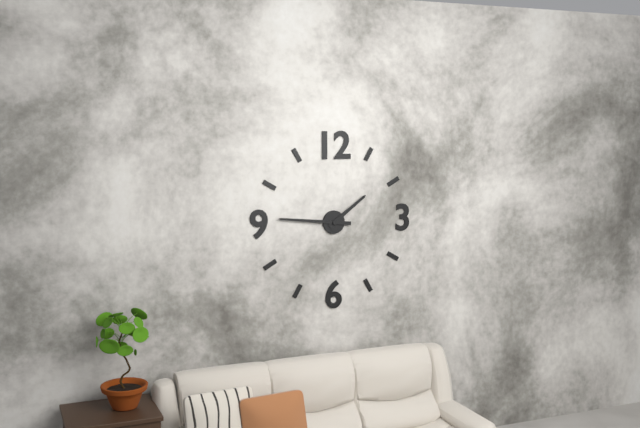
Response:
{"hour": 1, "minute": 46}
